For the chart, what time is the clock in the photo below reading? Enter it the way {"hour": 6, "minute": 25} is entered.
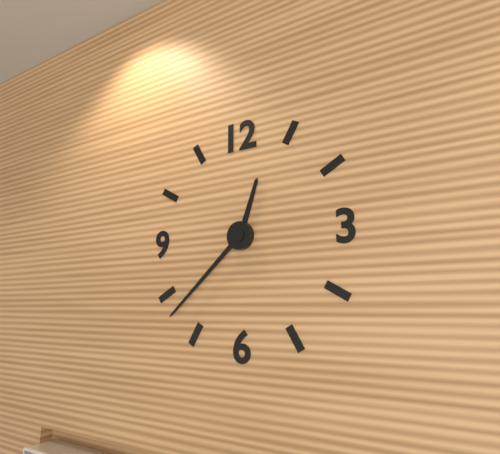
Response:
{"hour": 12, "minute": 38}
